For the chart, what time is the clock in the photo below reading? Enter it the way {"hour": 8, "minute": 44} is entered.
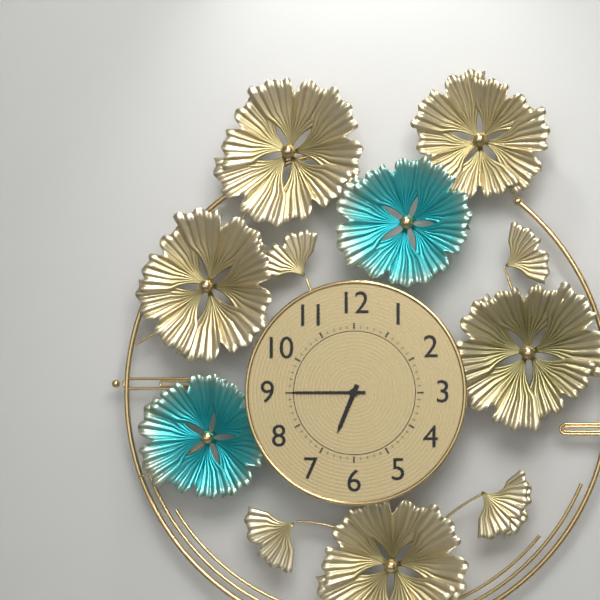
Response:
{"hour": 6, "minute": 45}
